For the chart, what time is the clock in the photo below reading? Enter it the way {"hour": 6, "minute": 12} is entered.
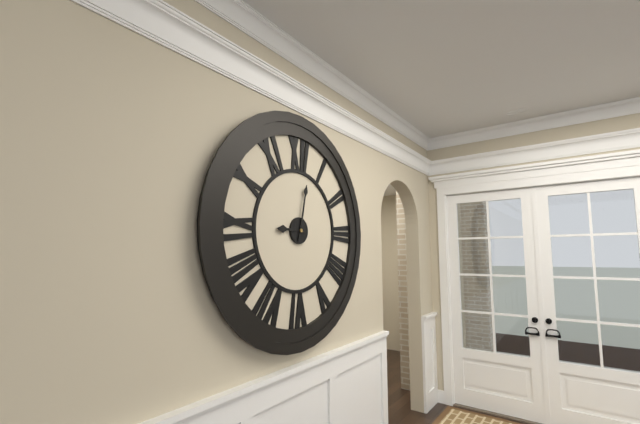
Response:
{"hour": 9, "minute": 2}
